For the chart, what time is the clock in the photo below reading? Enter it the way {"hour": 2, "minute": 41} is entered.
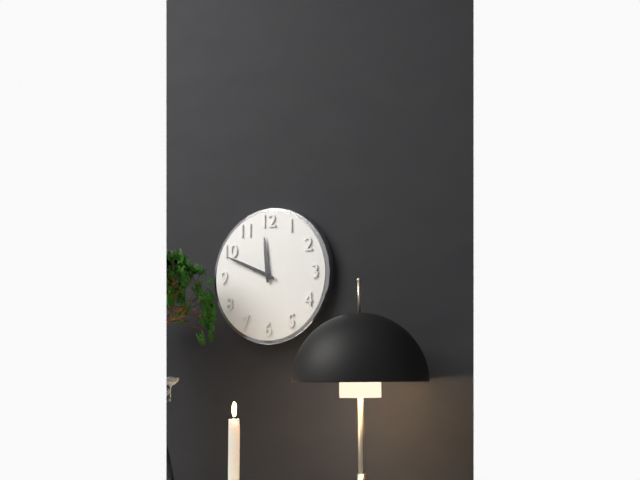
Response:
{"hour": 11, "minute": 49}
